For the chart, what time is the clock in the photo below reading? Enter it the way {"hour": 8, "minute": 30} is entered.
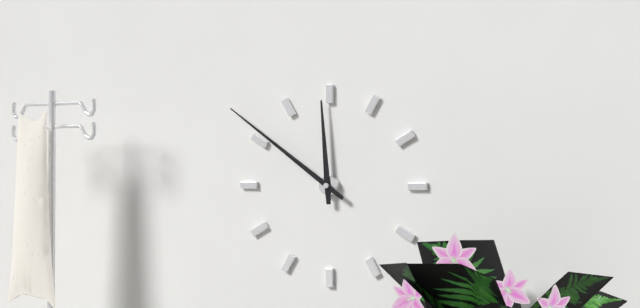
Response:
{"hour": 11, "minute": 51}
